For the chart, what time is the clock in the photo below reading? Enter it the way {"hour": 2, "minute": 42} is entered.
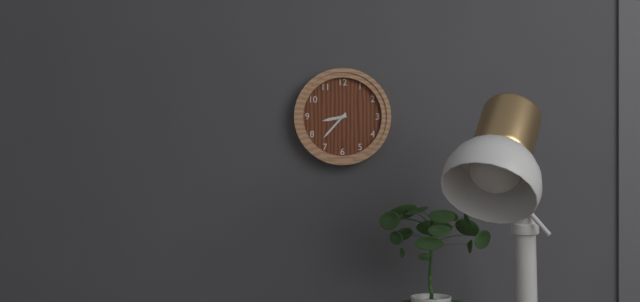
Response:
{"hour": 8, "minute": 37}
